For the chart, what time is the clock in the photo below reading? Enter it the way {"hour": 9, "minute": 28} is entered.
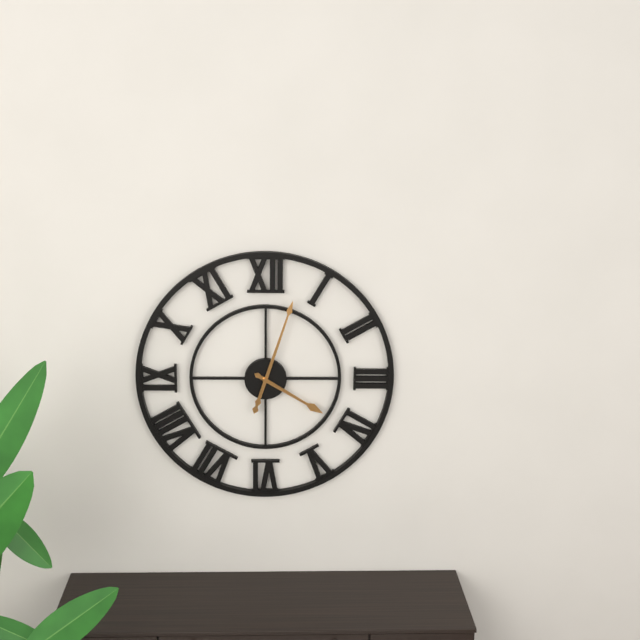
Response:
{"hour": 4, "minute": 3}
